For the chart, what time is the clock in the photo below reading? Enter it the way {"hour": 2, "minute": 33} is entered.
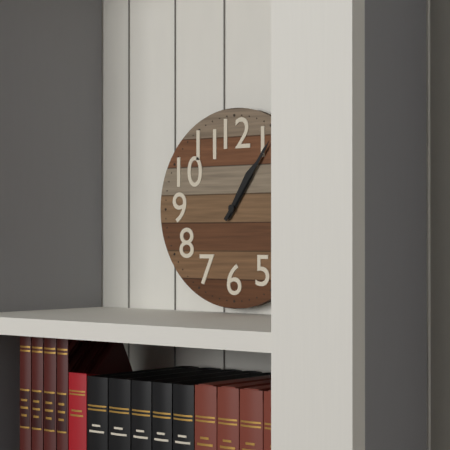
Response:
{"hour": 1, "minute": 6}
